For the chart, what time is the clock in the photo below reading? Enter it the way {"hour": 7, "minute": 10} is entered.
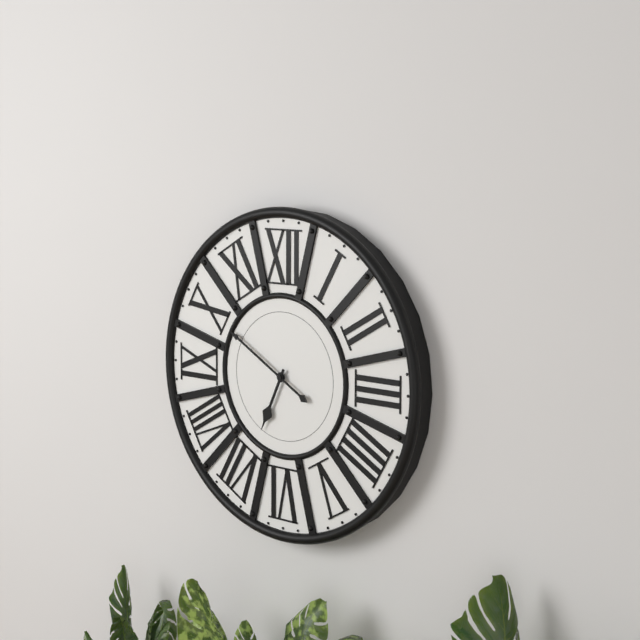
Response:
{"hour": 6, "minute": 50}
